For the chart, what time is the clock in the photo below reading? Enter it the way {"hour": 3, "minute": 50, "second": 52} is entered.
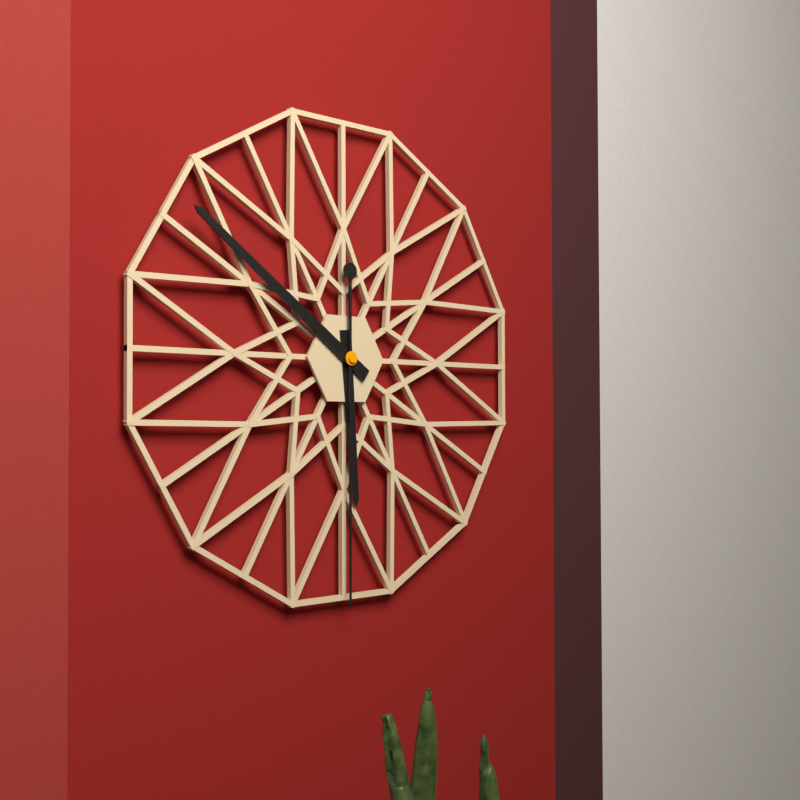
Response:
{"hour": 5, "minute": 51, "second": 30}
